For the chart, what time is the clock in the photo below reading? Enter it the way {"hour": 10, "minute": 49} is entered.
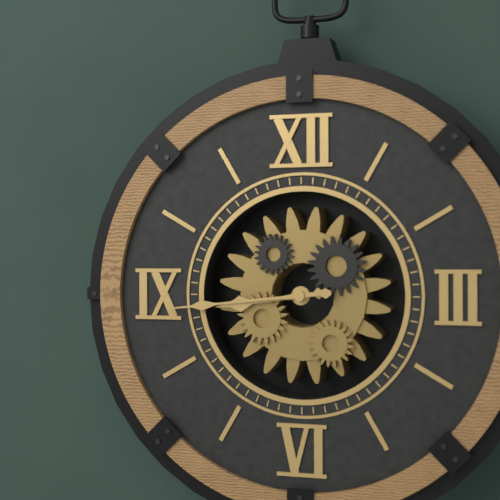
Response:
{"hour": 8, "minute": 44}
